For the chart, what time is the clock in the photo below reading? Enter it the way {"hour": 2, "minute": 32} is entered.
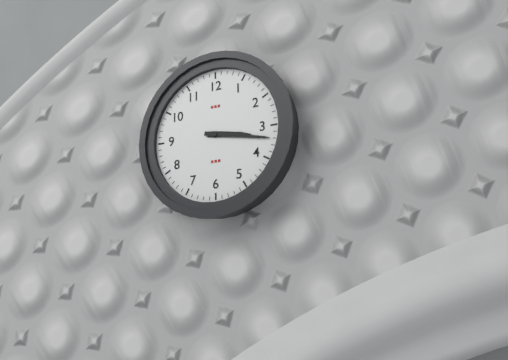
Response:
{"hour": 3, "minute": 17}
